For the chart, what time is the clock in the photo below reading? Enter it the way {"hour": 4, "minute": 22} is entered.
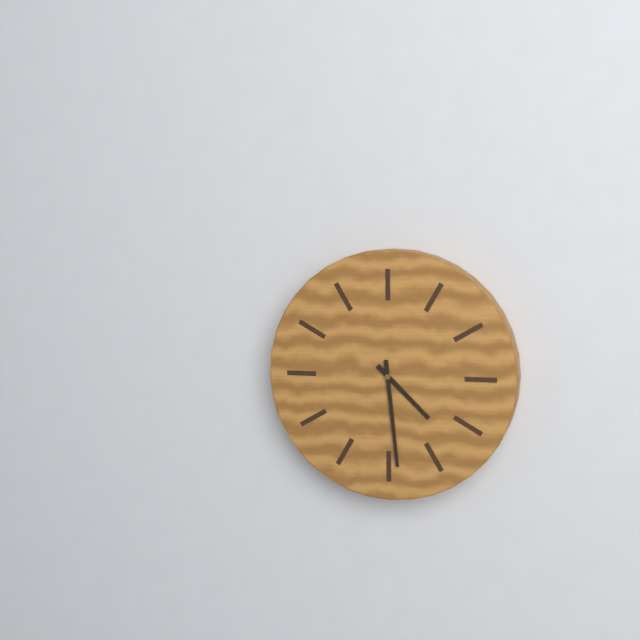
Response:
{"hour": 4, "minute": 29}
